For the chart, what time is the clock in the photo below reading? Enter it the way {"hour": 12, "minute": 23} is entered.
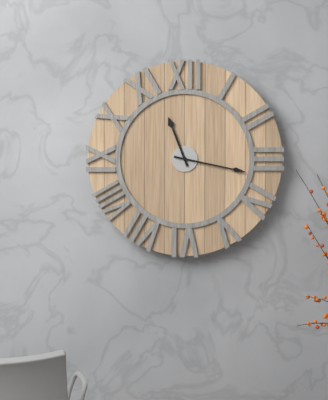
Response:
{"hour": 11, "minute": 17}
